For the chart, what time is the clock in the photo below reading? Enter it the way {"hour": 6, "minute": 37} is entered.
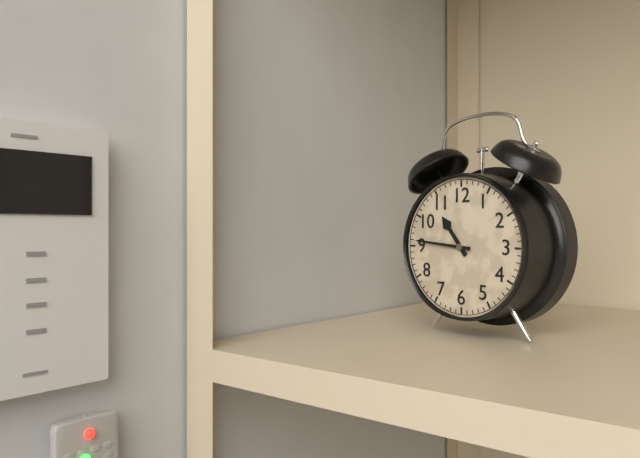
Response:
{"hour": 10, "minute": 46}
